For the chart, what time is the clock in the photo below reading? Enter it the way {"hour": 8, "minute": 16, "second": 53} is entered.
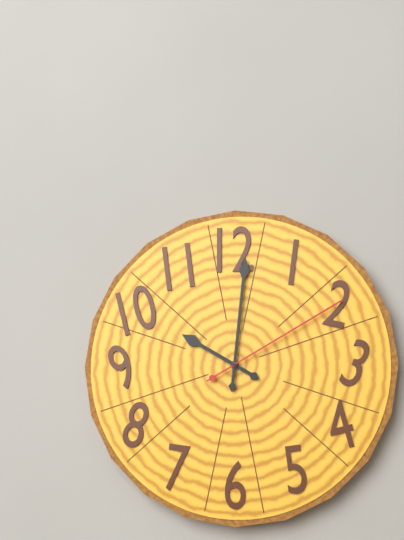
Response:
{"hour": 10, "minute": 1, "second": 10}
